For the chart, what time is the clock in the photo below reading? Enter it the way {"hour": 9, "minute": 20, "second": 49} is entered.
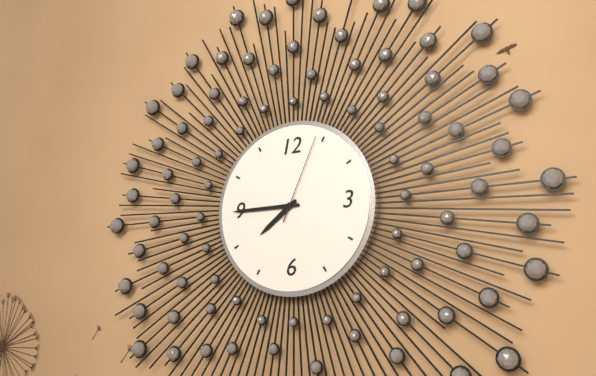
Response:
{"hour": 7, "minute": 45, "second": 4}
